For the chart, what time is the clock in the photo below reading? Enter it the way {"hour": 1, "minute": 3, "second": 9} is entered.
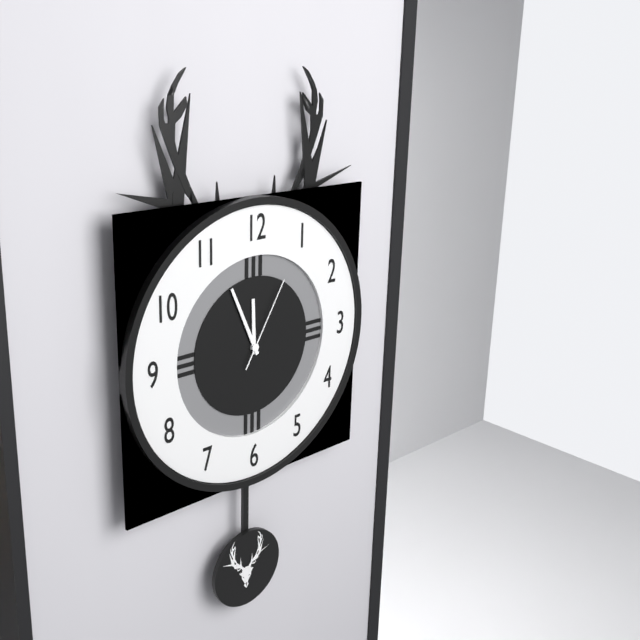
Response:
{"hour": 11, "minute": 56, "second": 5}
